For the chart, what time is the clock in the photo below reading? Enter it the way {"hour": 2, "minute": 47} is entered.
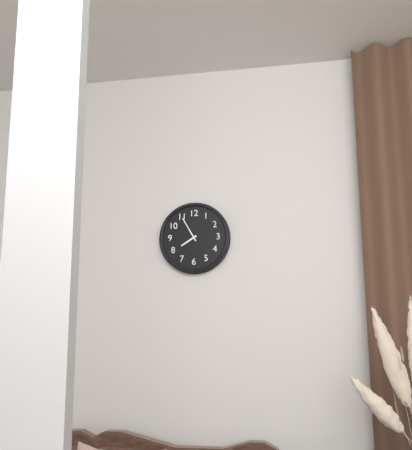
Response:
{"hour": 7, "minute": 55}
